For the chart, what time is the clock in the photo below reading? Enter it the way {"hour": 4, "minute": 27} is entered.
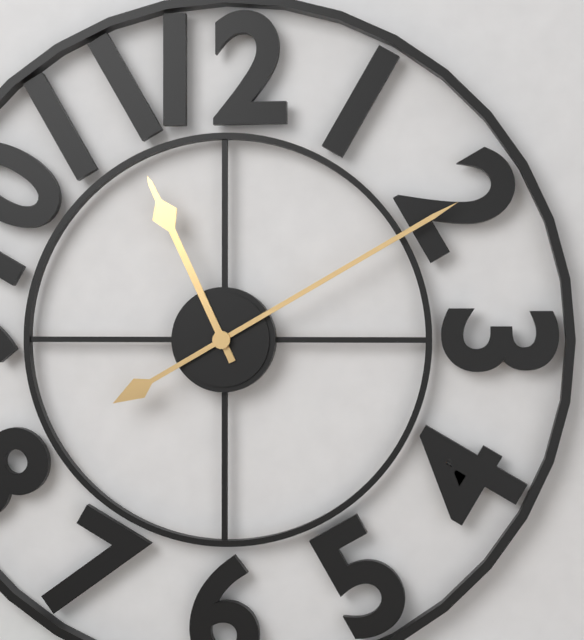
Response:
{"hour": 11, "minute": 10}
